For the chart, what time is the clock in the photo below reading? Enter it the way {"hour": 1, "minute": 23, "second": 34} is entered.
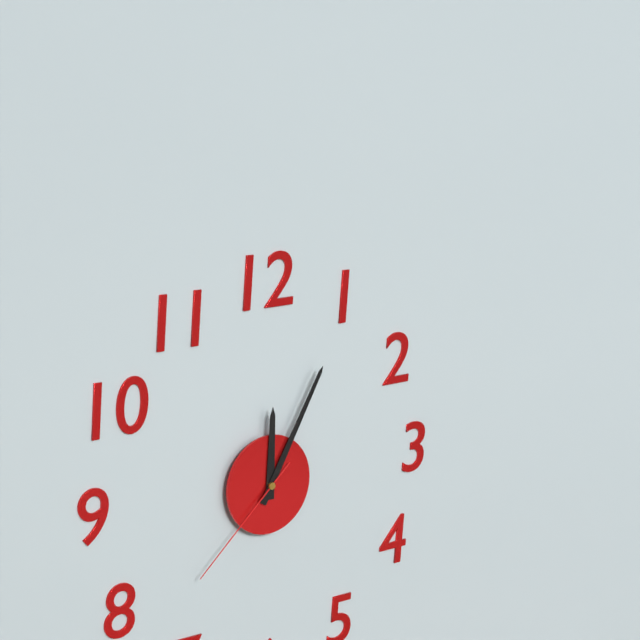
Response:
{"hour": 12, "minute": 5, "second": 38}
